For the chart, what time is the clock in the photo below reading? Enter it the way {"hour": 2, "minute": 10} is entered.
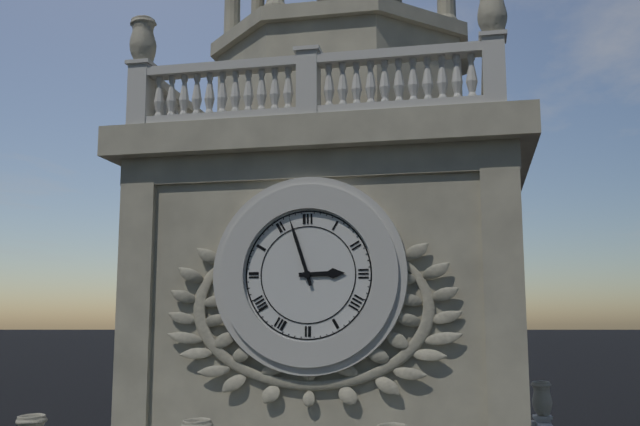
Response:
{"hour": 2, "minute": 57}
